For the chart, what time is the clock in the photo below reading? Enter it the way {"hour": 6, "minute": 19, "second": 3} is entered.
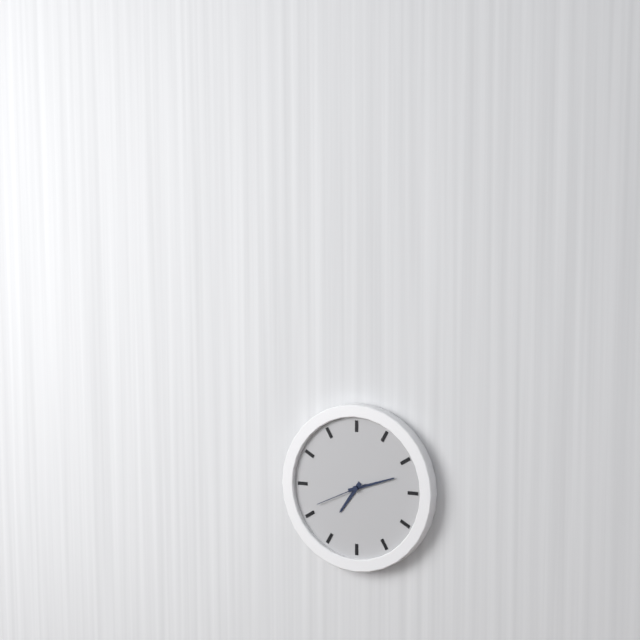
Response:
{"hour": 7, "minute": 12, "second": 41}
